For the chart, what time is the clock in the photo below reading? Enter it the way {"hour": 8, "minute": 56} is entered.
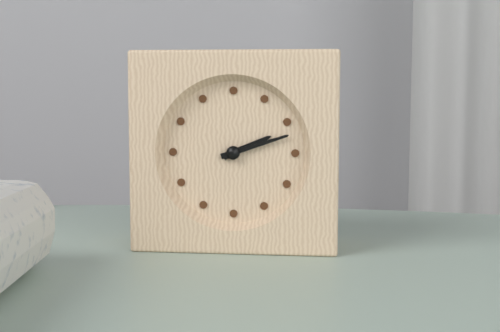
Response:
{"hour": 2, "minute": 12}
